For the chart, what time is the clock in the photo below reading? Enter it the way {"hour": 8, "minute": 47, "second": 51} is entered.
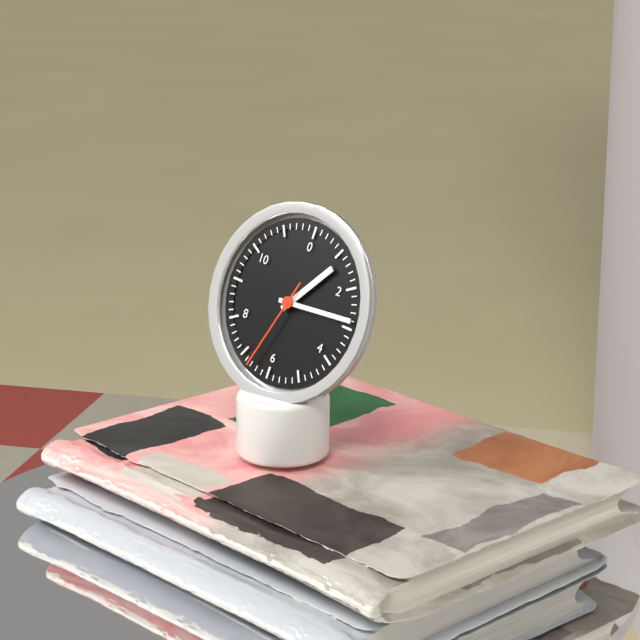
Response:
{"hour": 1, "minute": 14, "second": 33}
